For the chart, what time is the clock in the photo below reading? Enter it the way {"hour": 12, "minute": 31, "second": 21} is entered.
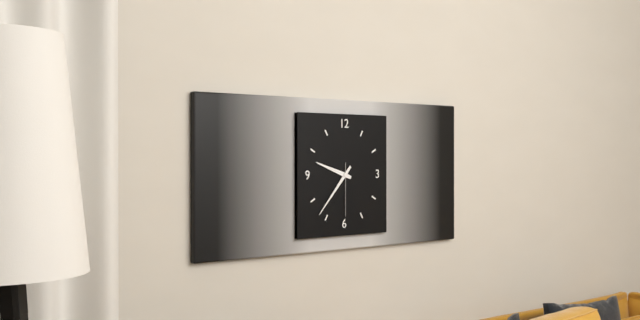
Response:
{"hour": 9, "minute": 37, "second": 30}
